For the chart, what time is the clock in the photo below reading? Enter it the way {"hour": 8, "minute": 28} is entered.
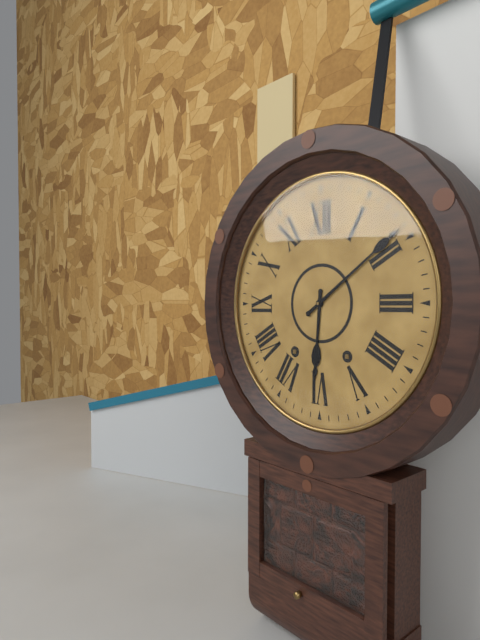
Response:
{"hour": 6, "minute": 9}
